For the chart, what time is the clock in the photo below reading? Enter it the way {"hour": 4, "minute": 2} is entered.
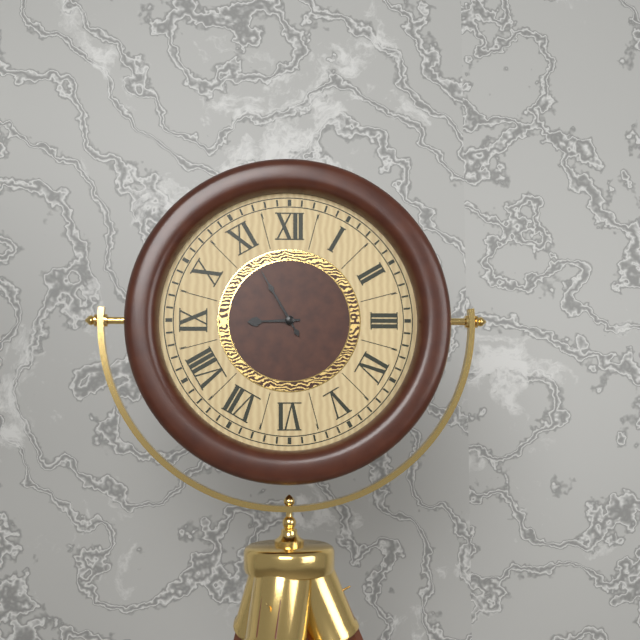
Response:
{"hour": 8, "minute": 55}
